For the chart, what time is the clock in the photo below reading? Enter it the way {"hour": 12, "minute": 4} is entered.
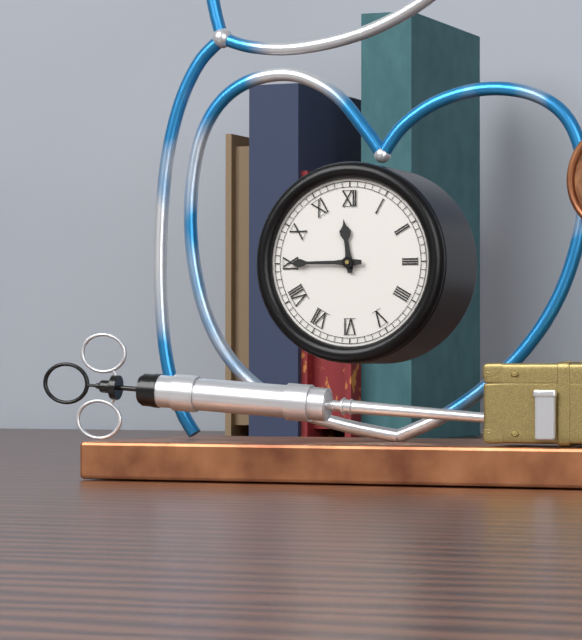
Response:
{"hour": 11, "minute": 45}
